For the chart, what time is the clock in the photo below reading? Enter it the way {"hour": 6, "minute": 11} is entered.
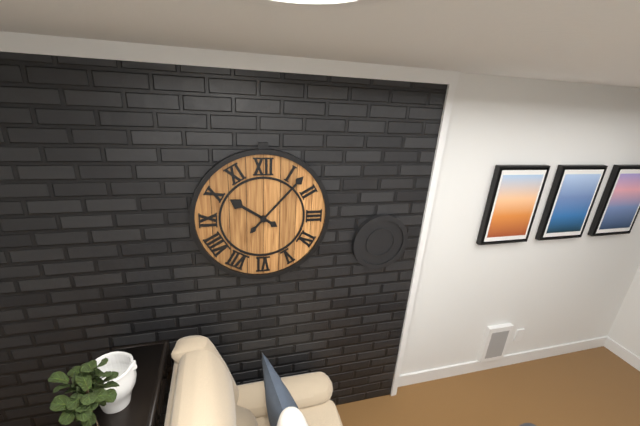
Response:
{"hour": 10, "minute": 7}
